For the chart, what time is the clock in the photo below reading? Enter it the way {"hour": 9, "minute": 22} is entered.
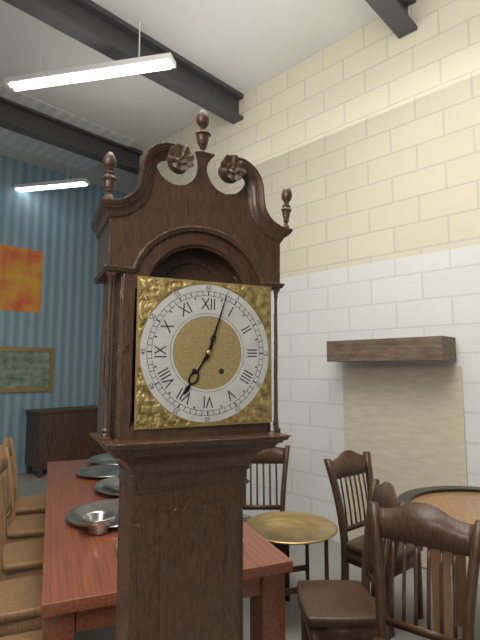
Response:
{"hour": 7, "minute": 3}
